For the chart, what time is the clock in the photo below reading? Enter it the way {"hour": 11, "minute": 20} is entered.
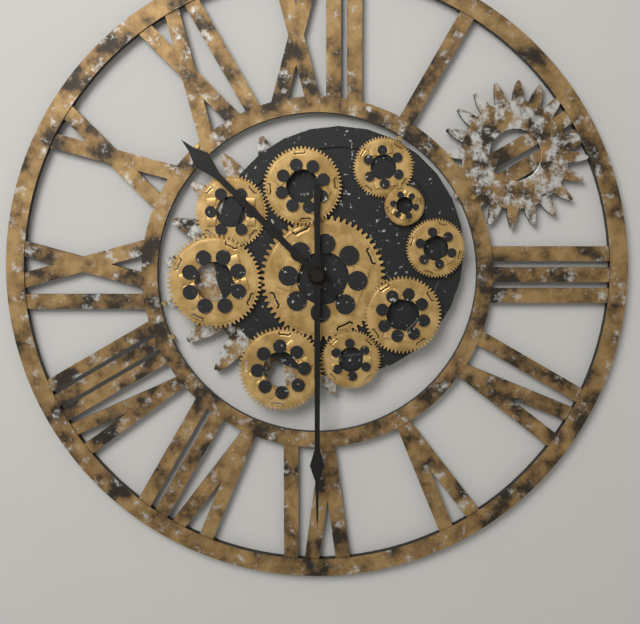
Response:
{"hour": 10, "minute": 30}
